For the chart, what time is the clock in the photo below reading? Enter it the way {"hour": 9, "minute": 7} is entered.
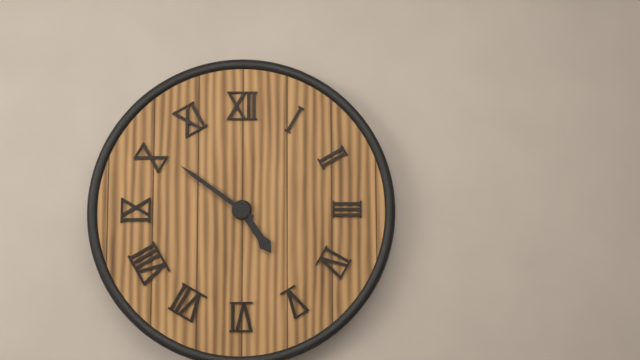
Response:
{"hour": 4, "minute": 51}
